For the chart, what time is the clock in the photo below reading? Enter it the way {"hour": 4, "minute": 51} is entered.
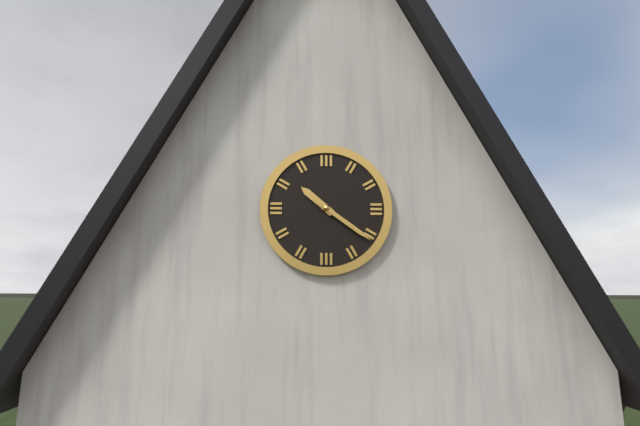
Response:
{"hour": 10, "minute": 21}
